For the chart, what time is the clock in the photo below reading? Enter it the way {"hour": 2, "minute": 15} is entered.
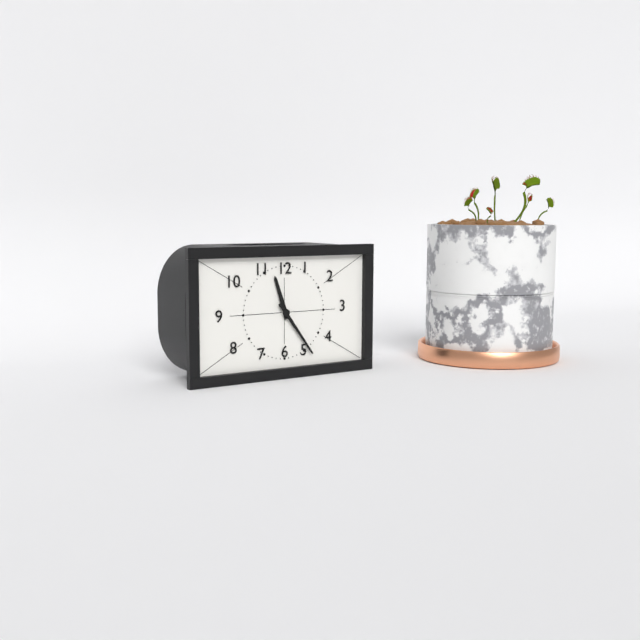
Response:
{"hour": 11, "minute": 24}
